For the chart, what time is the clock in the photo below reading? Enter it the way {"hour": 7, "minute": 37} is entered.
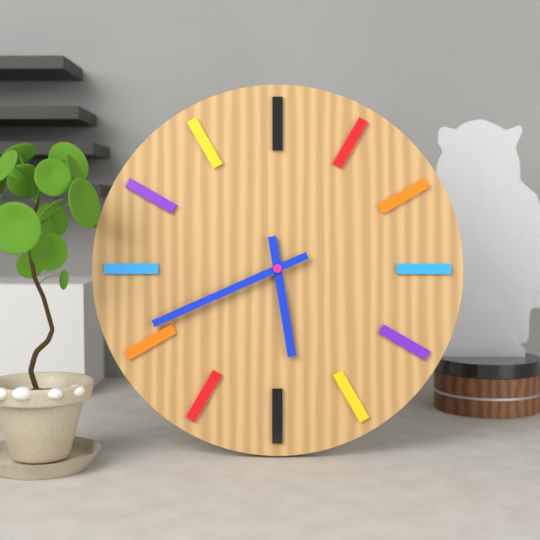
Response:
{"hour": 5, "minute": 41}
